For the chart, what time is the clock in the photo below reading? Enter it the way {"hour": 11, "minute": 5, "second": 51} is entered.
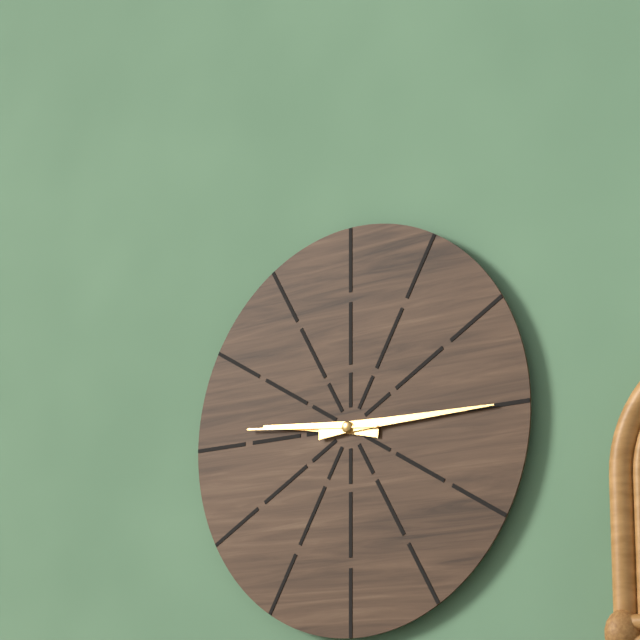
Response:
{"hour": 9, "minute": 15, "second": 46}
